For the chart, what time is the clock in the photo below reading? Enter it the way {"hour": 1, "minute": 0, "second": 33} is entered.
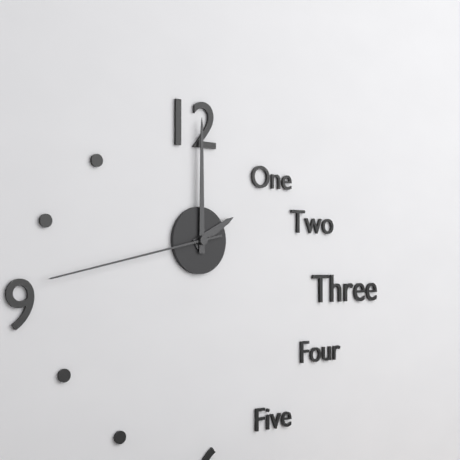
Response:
{"hour": 2, "minute": 0, "second": 43}
